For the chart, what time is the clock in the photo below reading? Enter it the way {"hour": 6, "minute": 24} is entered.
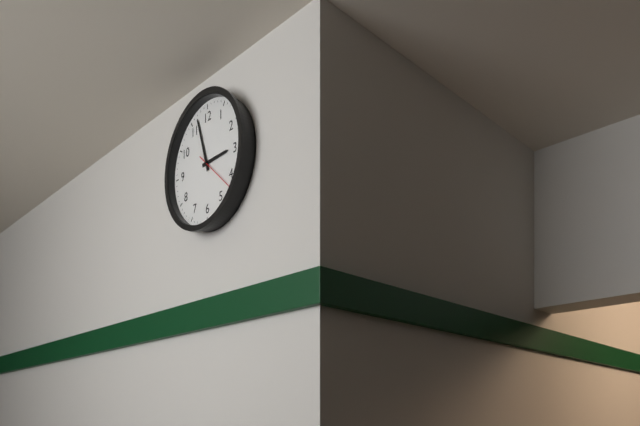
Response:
{"hour": 2, "minute": 57}
